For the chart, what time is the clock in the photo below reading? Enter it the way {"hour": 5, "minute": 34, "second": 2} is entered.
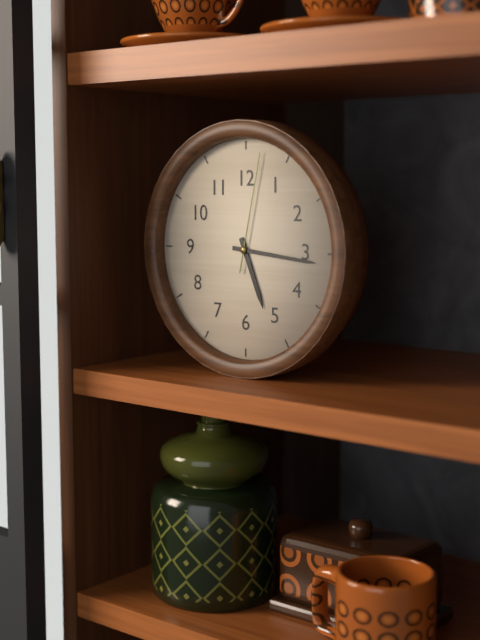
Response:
{"hour": 5, "minute": 16, "second": 2}
